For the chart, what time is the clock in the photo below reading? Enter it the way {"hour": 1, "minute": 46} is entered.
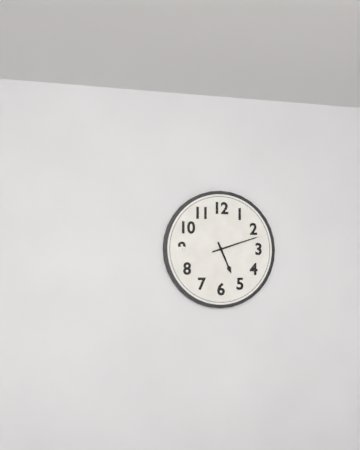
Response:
{"hour": 5, "minute": 12}
